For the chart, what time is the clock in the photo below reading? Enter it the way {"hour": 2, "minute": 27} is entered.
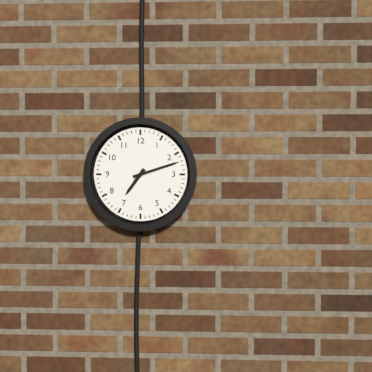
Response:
{"hour": 7, "minute": 12}
